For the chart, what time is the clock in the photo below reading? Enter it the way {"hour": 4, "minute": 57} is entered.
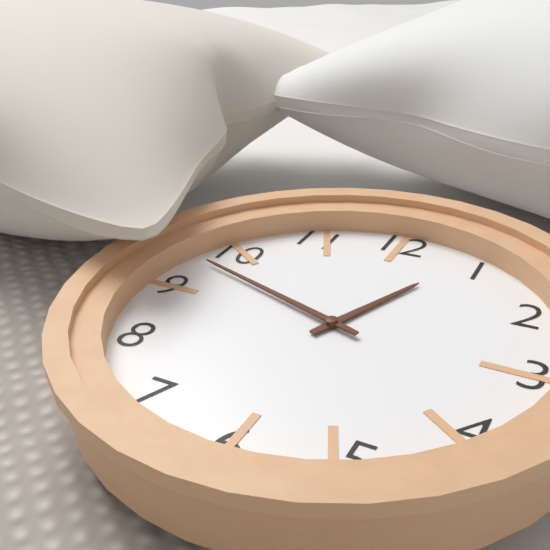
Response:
{"hour": 12, "minute": 48}
